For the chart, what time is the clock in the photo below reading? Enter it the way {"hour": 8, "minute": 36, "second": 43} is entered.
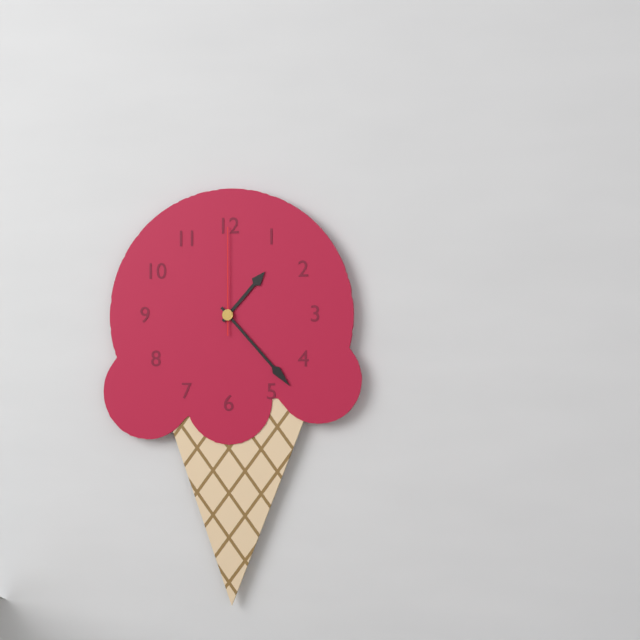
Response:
{"hour": 1, "minute": 23, "second": 0}
